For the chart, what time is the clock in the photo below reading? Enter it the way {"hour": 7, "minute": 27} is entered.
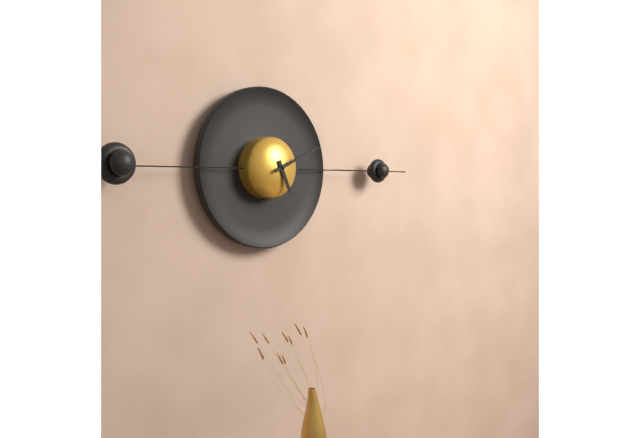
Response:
{"hour": 5, "minute": 11}
